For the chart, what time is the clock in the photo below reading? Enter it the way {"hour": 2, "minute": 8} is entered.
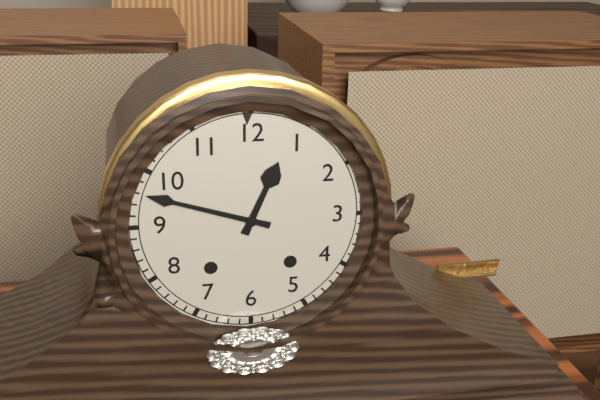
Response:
{"hour": 12, "minute": 48}
